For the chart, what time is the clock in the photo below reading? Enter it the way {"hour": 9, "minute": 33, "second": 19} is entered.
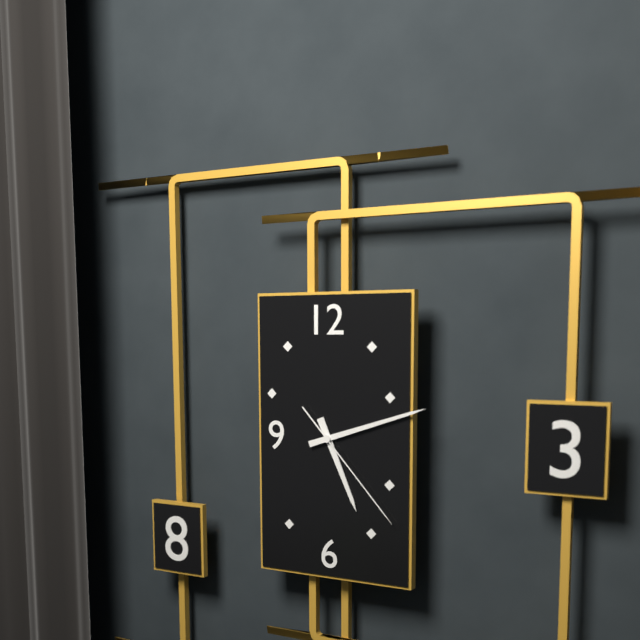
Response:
{"hour": 5, "minute": 12, "second": 23}
